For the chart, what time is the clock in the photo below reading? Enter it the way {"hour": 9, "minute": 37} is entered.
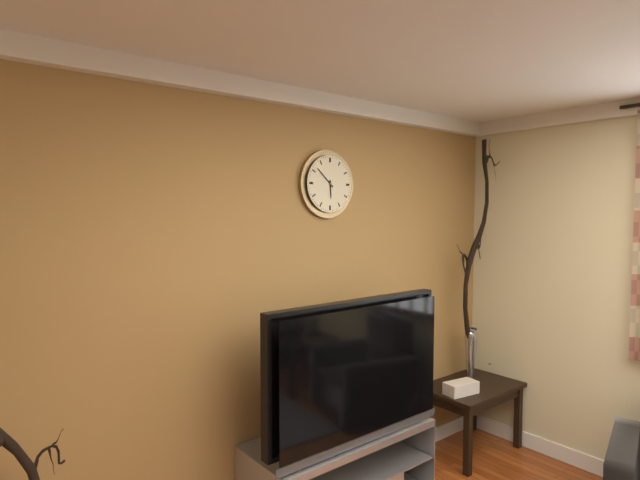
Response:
{"hour": 5, "minute": 52}
